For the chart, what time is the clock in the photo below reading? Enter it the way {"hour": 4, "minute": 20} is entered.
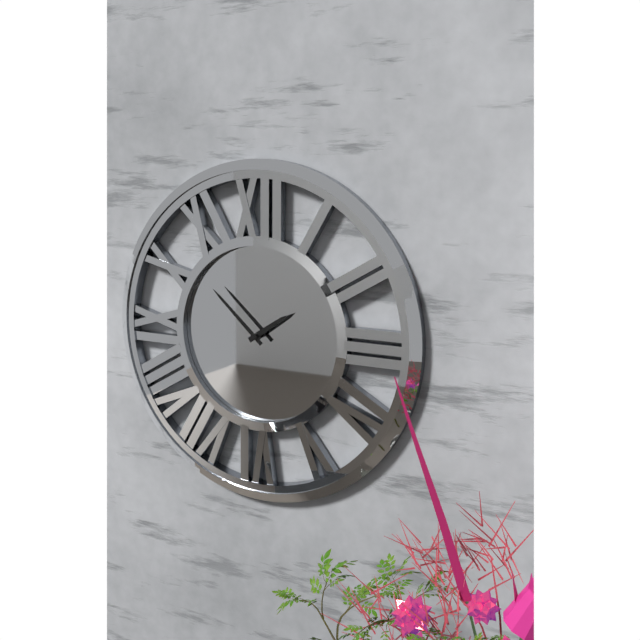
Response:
{"hour": 1, "minute": 52}
